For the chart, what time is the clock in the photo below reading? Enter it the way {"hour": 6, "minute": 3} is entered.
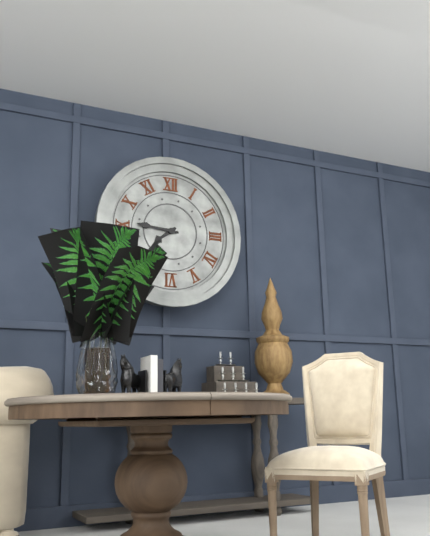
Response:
{"hour": 7, "minute": 46}
